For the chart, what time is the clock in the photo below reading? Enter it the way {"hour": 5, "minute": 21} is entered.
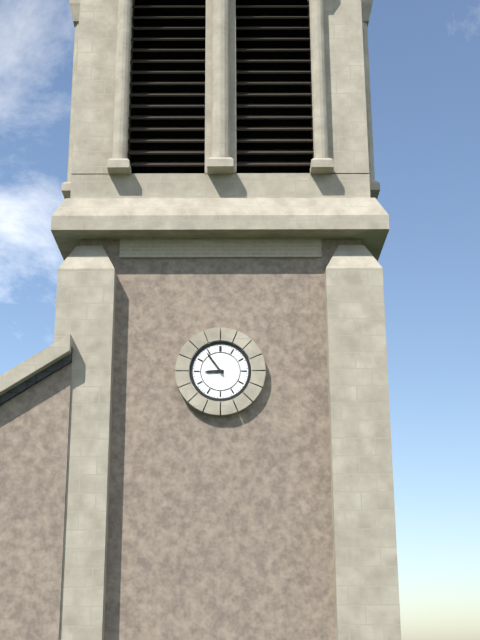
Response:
{"hour": 8, "minute": 54}
